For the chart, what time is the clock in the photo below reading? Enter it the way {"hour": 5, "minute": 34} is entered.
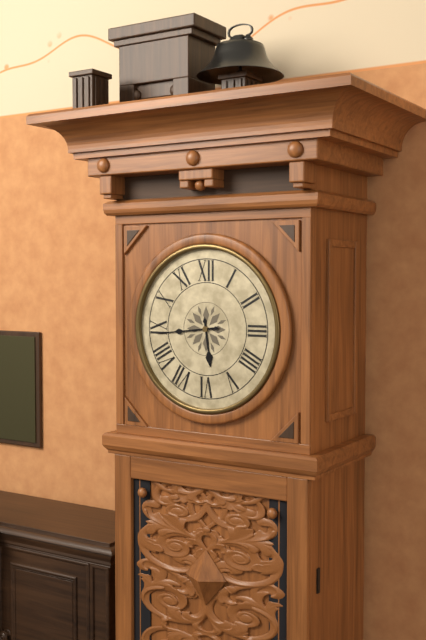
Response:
{"hour": 5, "minute": 44}
